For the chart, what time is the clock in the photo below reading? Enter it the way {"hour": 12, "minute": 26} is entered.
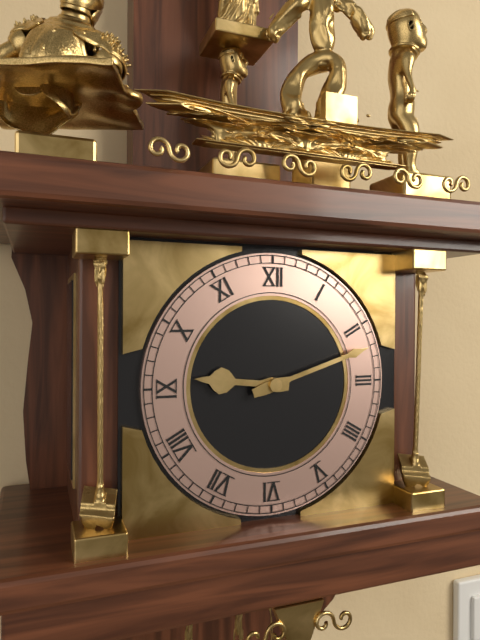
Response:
{"hour": 9, "minute": 12}
